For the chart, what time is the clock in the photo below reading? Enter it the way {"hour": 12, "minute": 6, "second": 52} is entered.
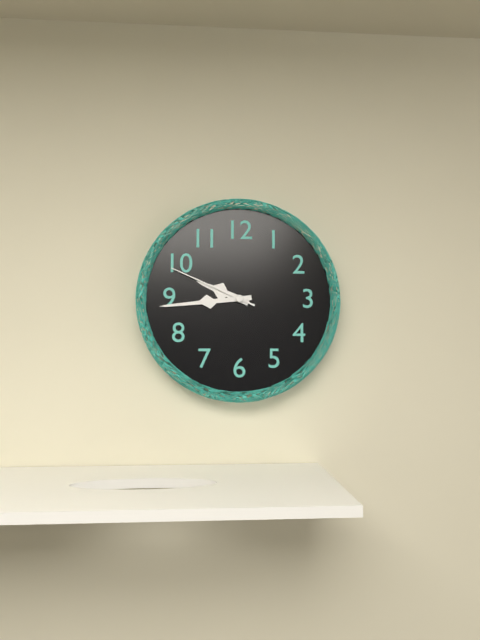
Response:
{"hour": 9, "minute": 44, "second": 49}
